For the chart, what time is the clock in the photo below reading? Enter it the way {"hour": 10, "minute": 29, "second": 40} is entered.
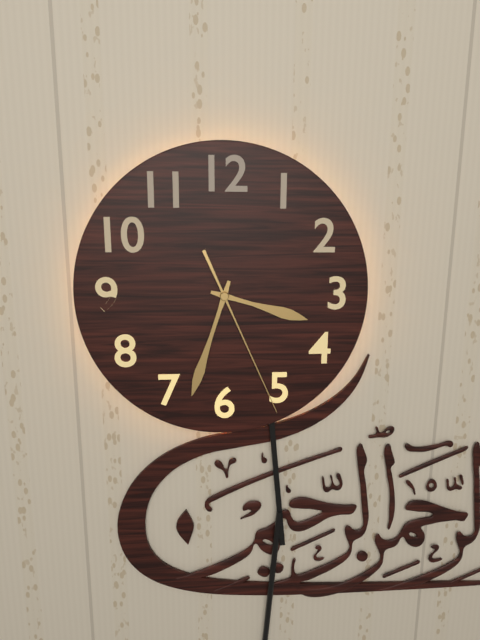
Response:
{"hour": 3, "minute": 33, "second": 26}
